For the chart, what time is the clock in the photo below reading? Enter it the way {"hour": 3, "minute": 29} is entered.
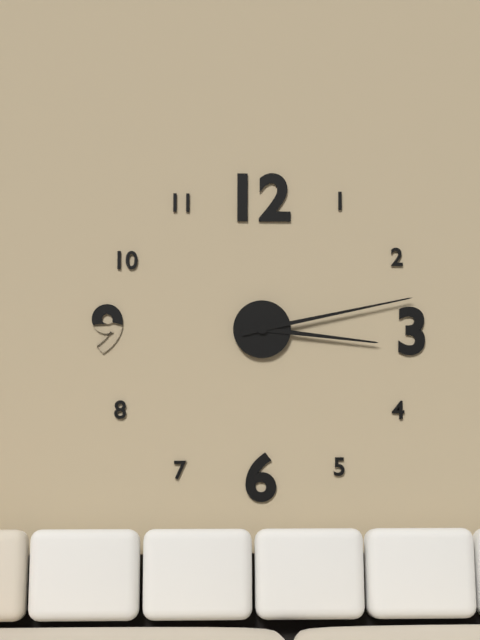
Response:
{"hour": 3, "minute": 13}
